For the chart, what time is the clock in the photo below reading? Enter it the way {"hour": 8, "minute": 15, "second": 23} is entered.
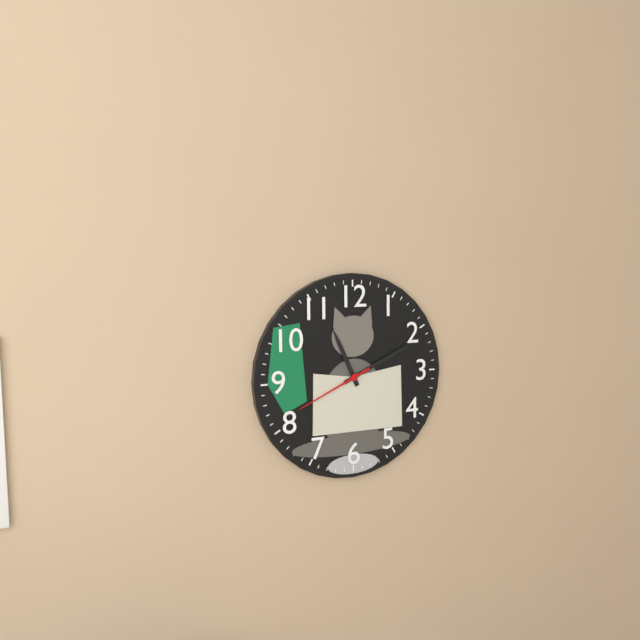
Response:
{"hour": 11, "minute": 11, "second": 41}
